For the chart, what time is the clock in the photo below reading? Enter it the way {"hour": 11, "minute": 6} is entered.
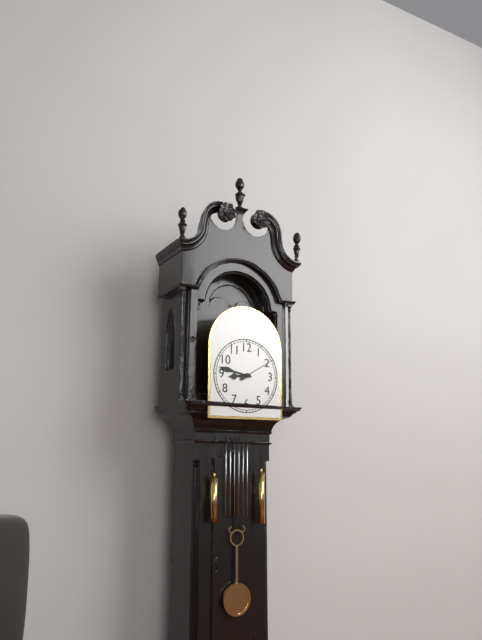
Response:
{"hour": 8, "minute": 47}
